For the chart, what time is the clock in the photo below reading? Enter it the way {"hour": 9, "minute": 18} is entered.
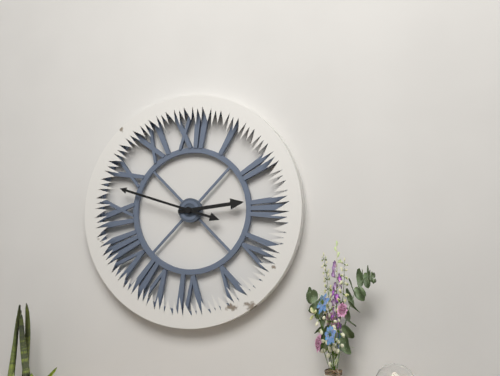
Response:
{"hour": 2, "minute": 48}
